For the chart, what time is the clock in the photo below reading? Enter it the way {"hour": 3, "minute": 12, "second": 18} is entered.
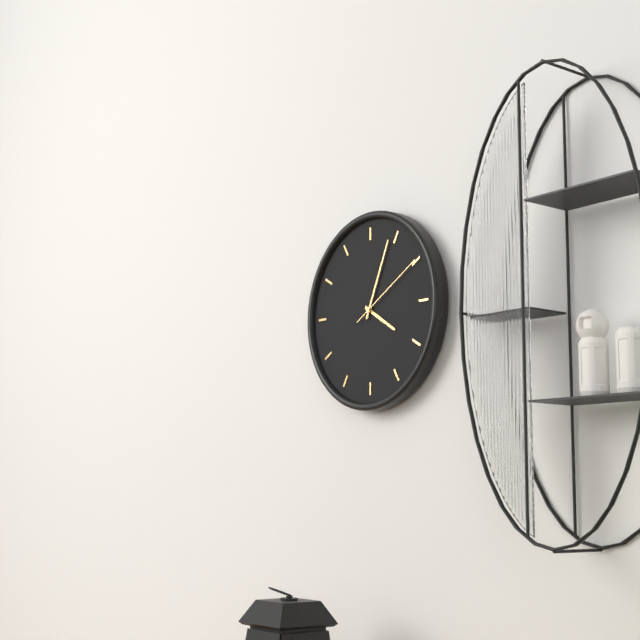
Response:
{"hour": 4, "minute": 4, "second": 10}
